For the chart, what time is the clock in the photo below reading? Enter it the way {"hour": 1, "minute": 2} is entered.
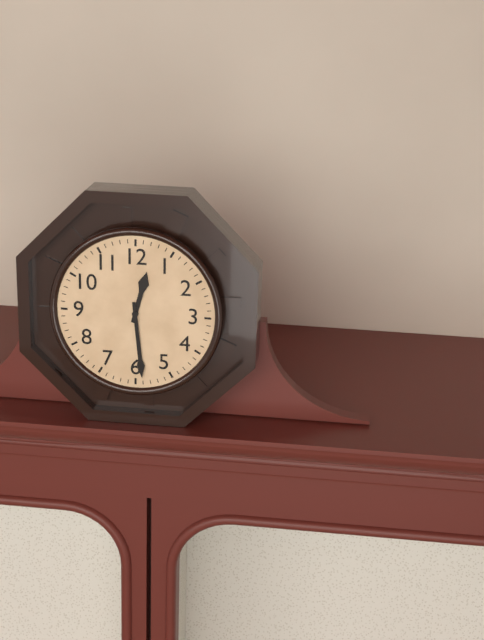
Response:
{"hour": 12, "minute": 29}
